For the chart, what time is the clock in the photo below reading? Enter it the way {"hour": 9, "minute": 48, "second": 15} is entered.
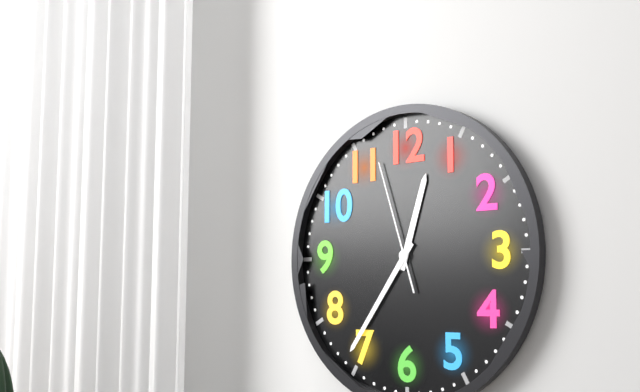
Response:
{"hour": 12, "minute": 36, "second": 57}
